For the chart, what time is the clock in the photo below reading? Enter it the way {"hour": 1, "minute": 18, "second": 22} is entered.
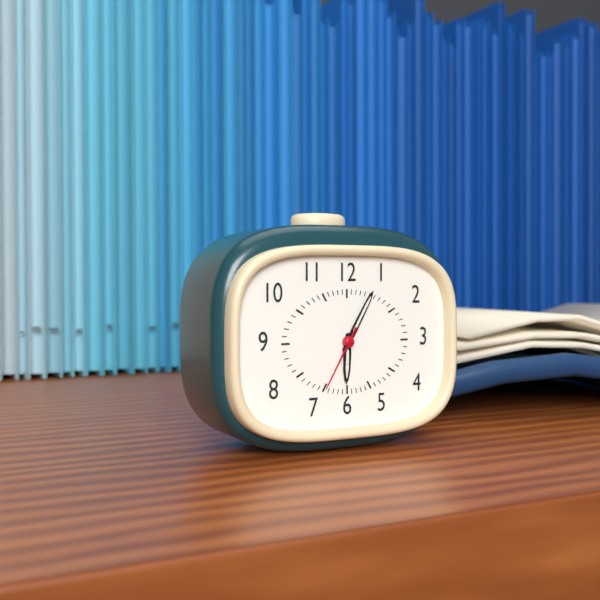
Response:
{"hour": 6, "minute": 5, "second": 35}
